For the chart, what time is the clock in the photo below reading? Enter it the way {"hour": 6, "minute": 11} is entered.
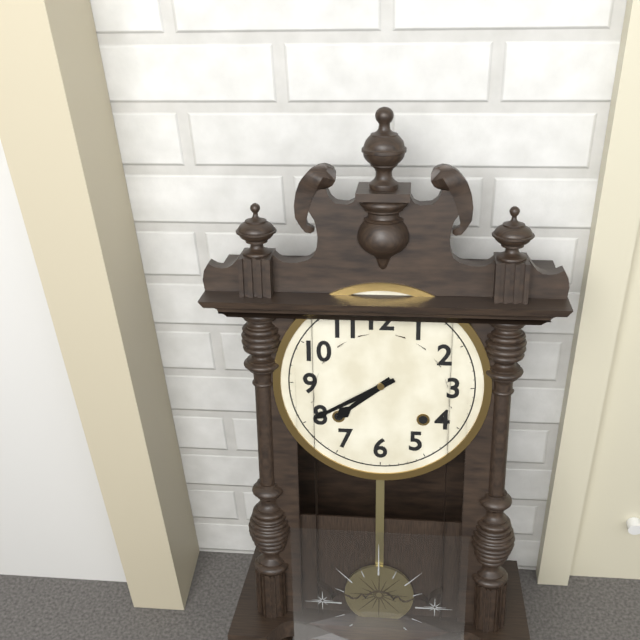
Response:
{"hour": 7, "minute": 40}
